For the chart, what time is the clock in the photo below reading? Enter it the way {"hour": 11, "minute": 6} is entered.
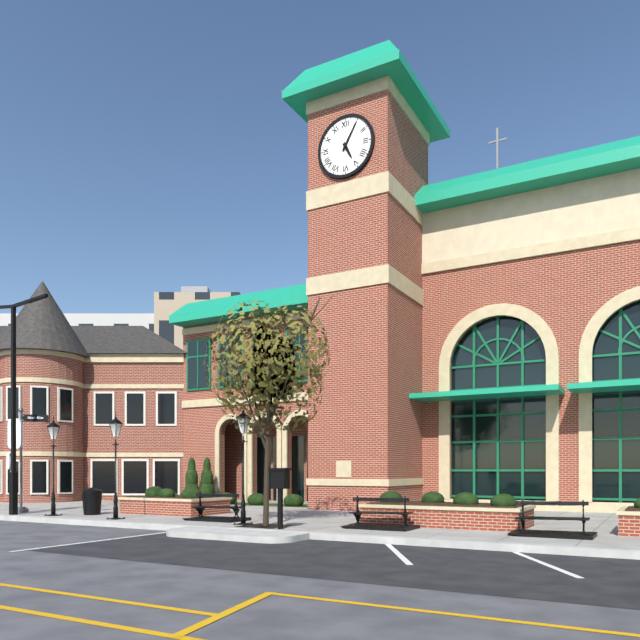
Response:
{"hour": 5, "minute": 5}
